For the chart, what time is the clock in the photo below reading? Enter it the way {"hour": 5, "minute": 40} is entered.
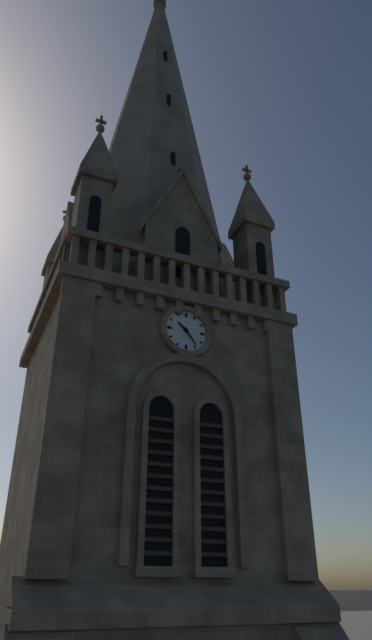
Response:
{"hour": 10, "minute": 24}
